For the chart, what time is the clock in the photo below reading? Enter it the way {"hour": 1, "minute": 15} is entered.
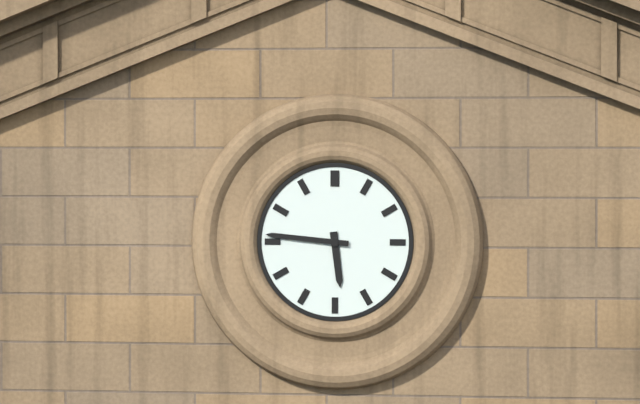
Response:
{"hour": 5, "minute": 46}
